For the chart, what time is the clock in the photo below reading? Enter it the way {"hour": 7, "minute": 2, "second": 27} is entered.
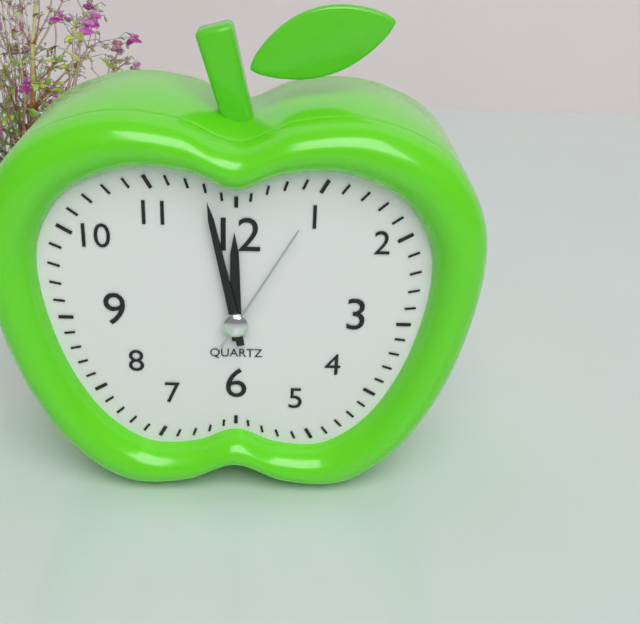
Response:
{"hour": 11, "minute": 58, "second": 5}
